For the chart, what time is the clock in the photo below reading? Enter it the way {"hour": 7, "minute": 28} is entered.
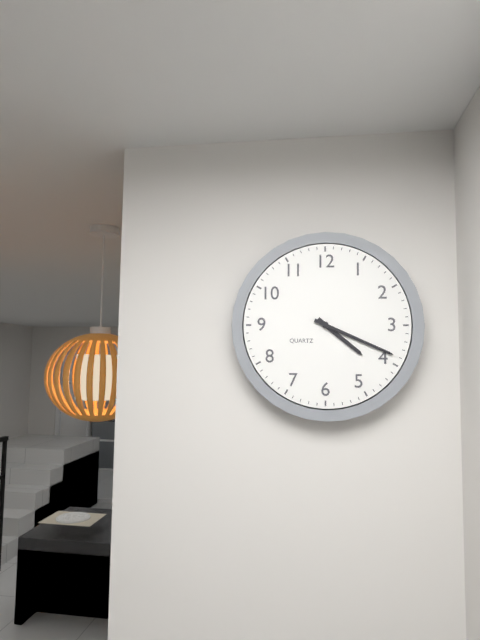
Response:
{"hour": 4, "minute": 19}
